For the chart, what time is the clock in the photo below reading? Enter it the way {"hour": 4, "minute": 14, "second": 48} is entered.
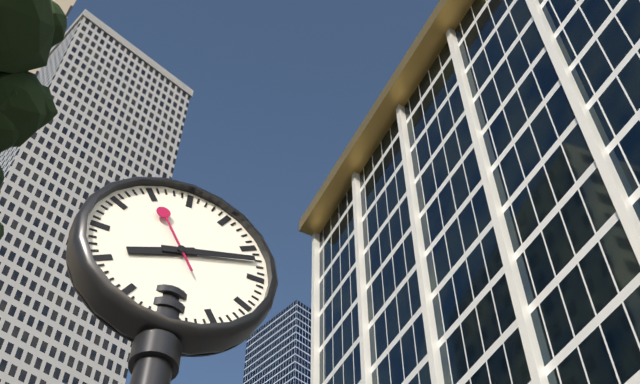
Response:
{"hour": 8, "minute": 12, "second": 55}
